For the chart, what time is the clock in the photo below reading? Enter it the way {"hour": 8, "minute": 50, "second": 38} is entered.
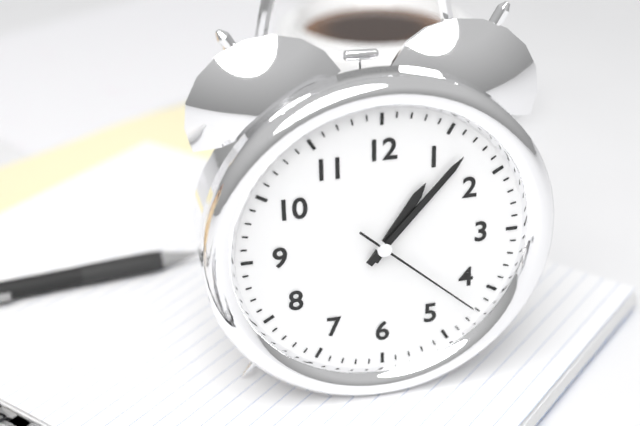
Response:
{"hour": 1, "minute": 7, "second": 22}
